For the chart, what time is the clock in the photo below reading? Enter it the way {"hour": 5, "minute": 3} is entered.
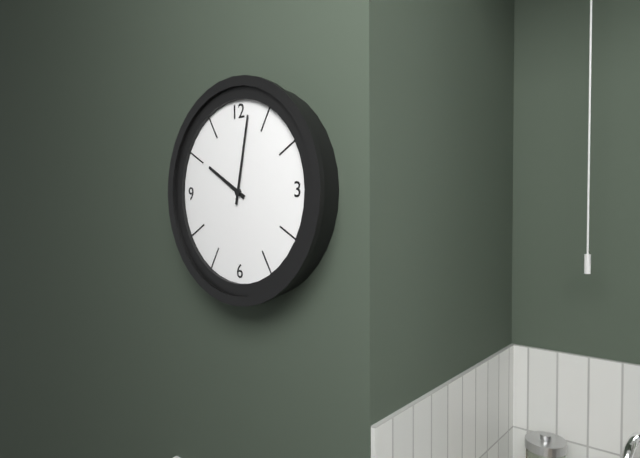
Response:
{"hour": 10, "minute": 2}
